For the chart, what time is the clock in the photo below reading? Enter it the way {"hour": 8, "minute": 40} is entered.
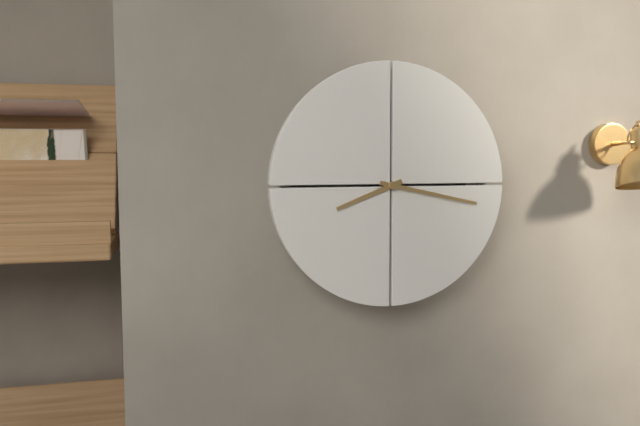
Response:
{"hour": 8, "minute": 17}
